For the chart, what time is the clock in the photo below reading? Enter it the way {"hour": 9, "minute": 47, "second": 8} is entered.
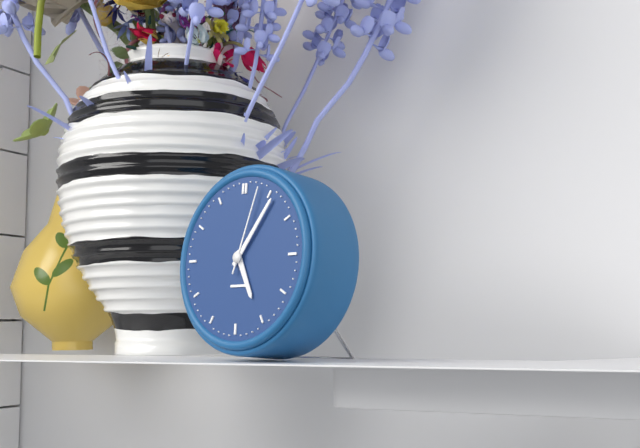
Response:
{"hour": 5, "minute": 6, "second": 3}
